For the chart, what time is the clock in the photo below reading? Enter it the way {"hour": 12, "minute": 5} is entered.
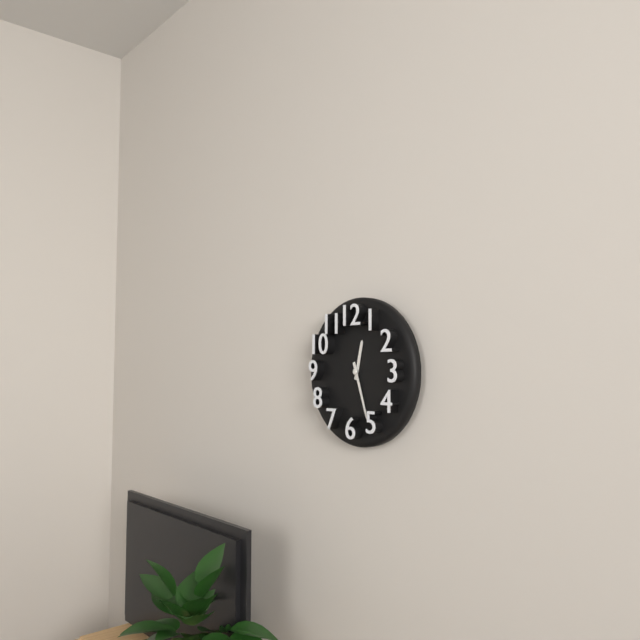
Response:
{"hour": 12, "minute": 27}
